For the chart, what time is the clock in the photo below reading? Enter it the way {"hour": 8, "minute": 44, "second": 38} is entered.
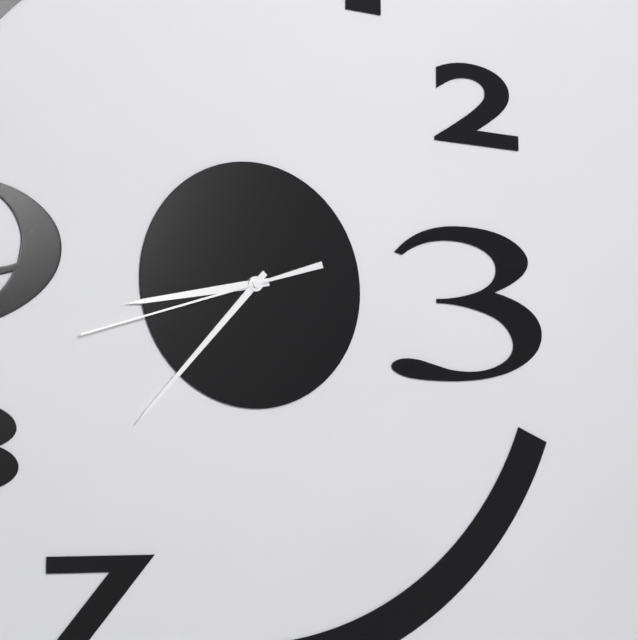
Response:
{"hour": 8, "minute": 37, "second": 42}
